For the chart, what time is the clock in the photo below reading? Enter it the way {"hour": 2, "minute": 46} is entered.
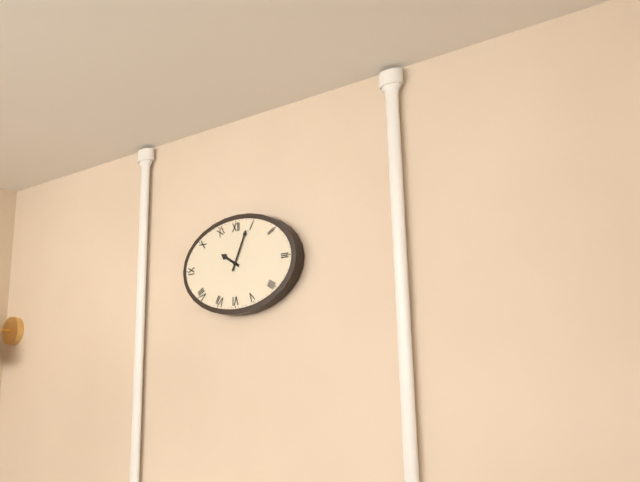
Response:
{"hour": 10, "minute": 4}
